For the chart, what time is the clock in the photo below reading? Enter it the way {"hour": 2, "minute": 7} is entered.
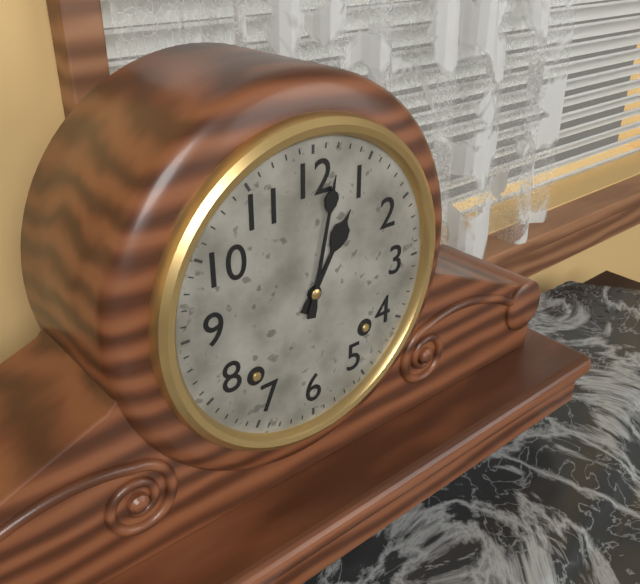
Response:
{"hour": 1, "minute": 2}
